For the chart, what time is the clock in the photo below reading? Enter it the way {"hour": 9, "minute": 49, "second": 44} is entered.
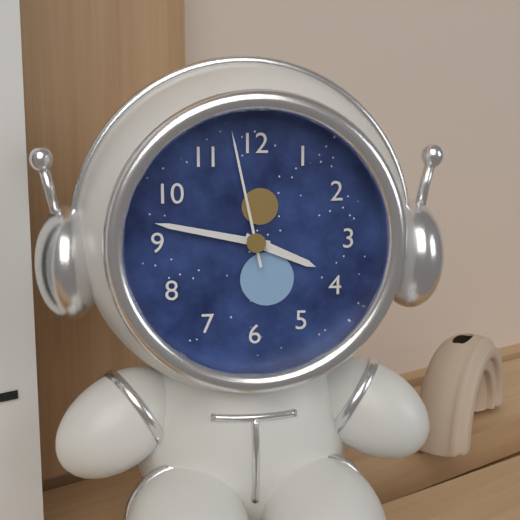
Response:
{"hour": 3, "minute": 47, "second": 58}
